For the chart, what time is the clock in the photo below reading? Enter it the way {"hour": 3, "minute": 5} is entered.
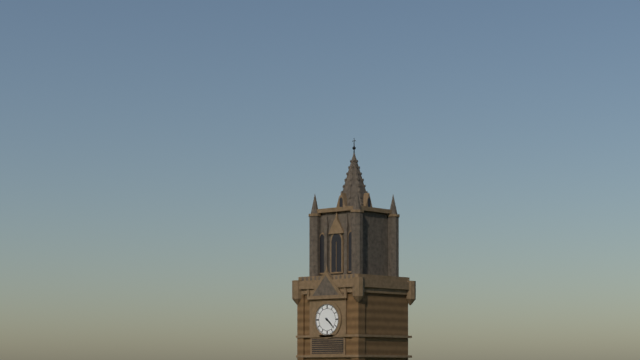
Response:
{"hour": 4, "minute": 22}
